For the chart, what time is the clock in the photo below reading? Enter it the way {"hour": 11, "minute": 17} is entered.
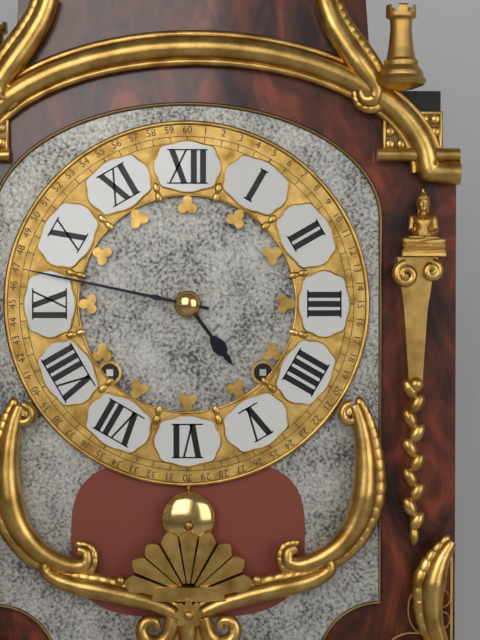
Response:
{"hour": 4, "minute": 47}
